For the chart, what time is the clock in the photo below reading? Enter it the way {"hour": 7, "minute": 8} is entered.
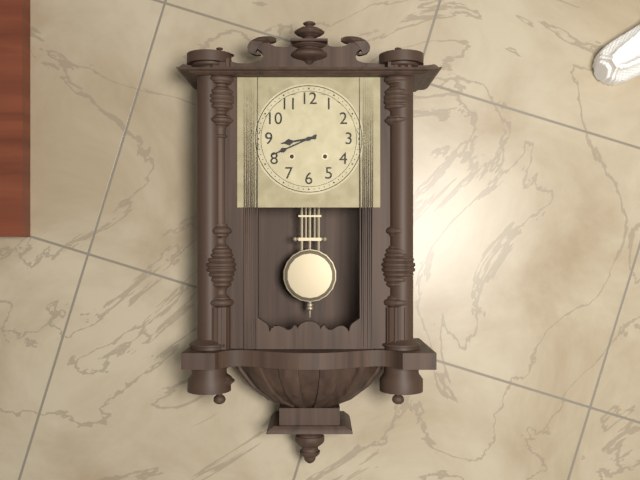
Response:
{"hour": 8, "minute": 41}
